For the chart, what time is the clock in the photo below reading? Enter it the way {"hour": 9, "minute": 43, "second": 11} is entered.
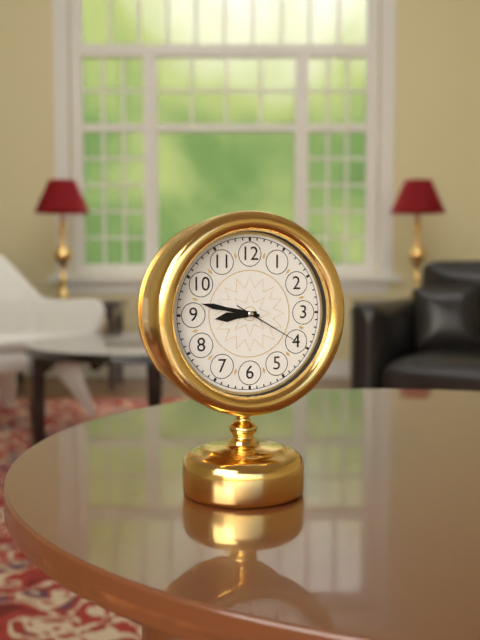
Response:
{"hour": 8, "minute": 47, "second": 20}
